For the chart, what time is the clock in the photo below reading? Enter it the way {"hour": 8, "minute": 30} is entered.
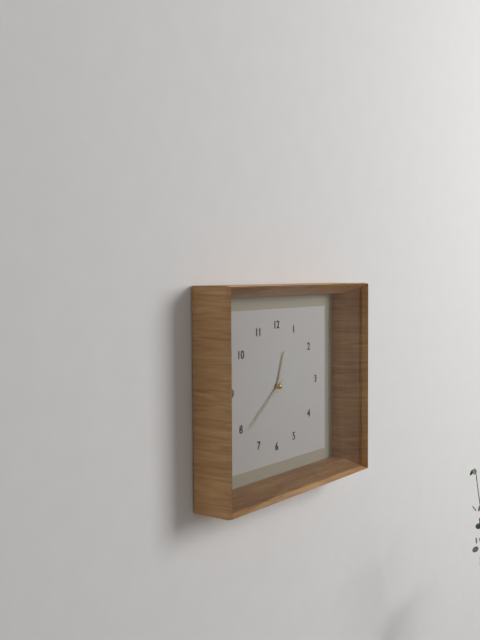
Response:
{"hour": 12, "minute": 39}
